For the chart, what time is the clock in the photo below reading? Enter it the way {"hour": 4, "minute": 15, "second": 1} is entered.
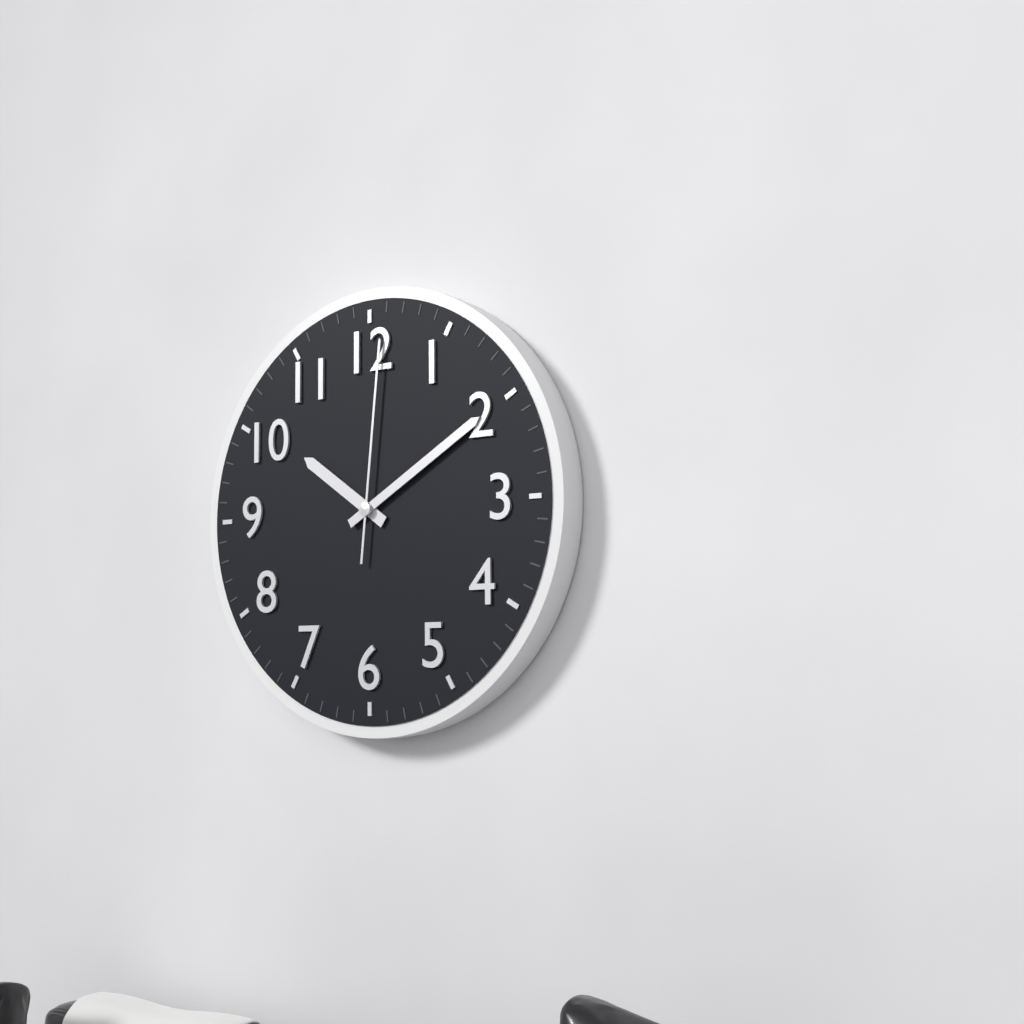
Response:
{"hour": 10, "minute": 10, "second": 1}
